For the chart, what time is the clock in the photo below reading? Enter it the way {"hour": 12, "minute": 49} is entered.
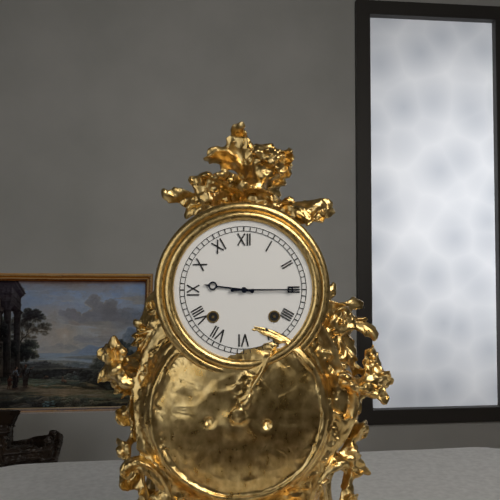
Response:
{"hour": 9, "minute": 15}
